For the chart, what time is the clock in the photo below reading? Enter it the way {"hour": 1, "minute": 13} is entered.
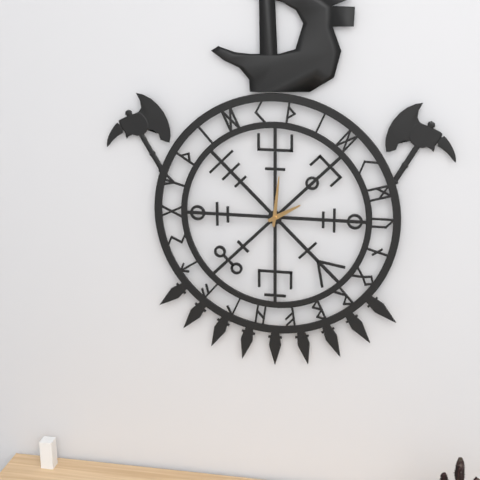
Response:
{"hour": 2, "minute": 1}
